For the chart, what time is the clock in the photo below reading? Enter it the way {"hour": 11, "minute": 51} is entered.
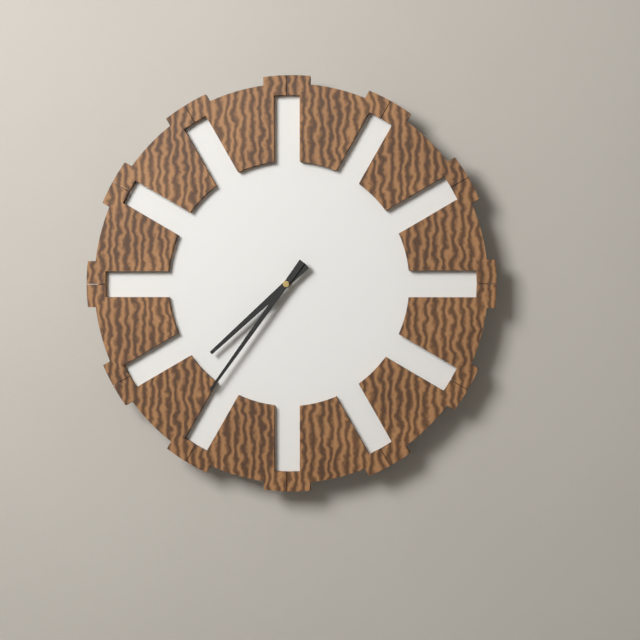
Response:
{"hour": 7, "minute": 36}
